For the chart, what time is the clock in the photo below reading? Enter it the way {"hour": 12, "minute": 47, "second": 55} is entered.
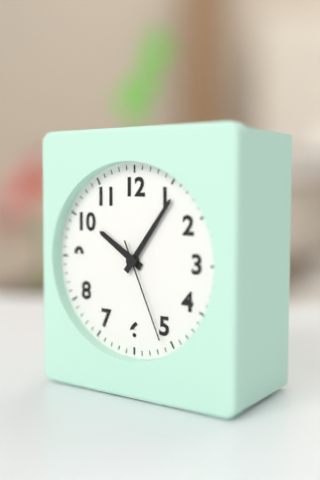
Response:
{"hour": 10, "minute": 6, "second": 26}
